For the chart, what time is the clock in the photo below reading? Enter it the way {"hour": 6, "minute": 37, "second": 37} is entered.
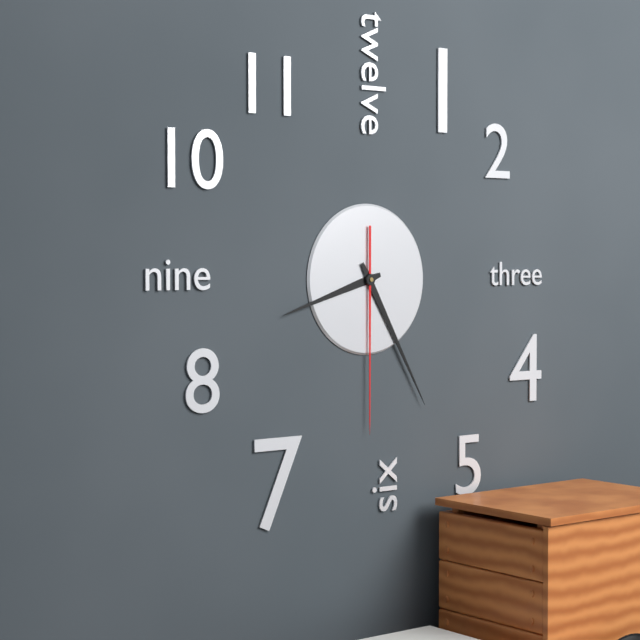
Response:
{"hour": 8, "minute": 25, "second": 30}
